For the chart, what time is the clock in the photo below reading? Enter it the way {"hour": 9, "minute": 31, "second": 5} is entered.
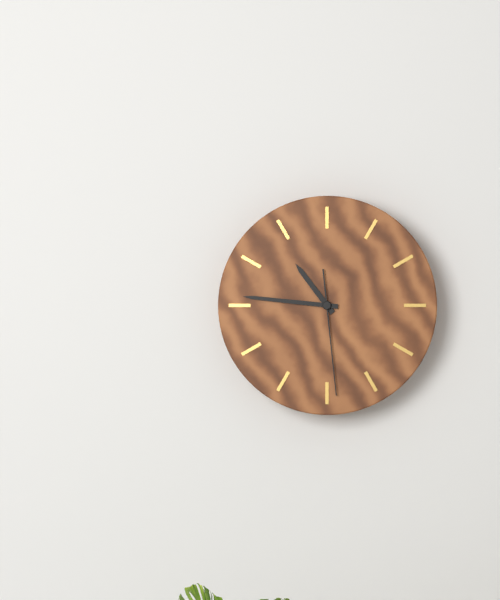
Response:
{"hour": 10, "minute": 46, "second": 29}
